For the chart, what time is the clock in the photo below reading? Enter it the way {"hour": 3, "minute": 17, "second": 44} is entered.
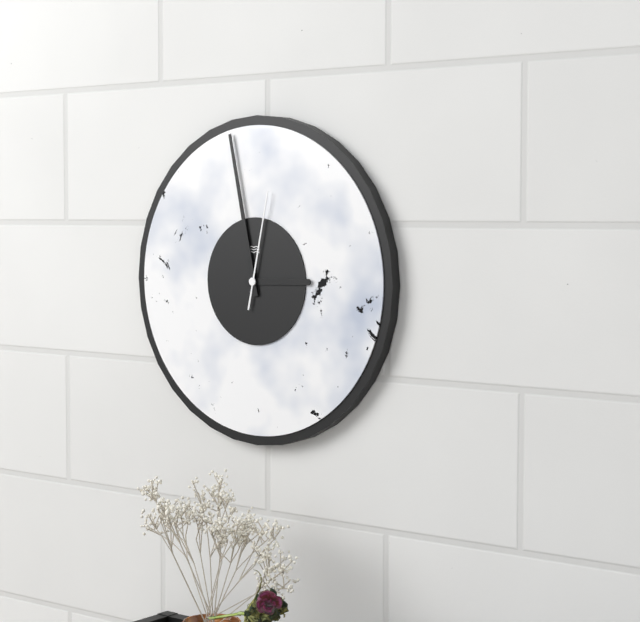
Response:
{"hour": 2, "minute": 58, "second": 2}
